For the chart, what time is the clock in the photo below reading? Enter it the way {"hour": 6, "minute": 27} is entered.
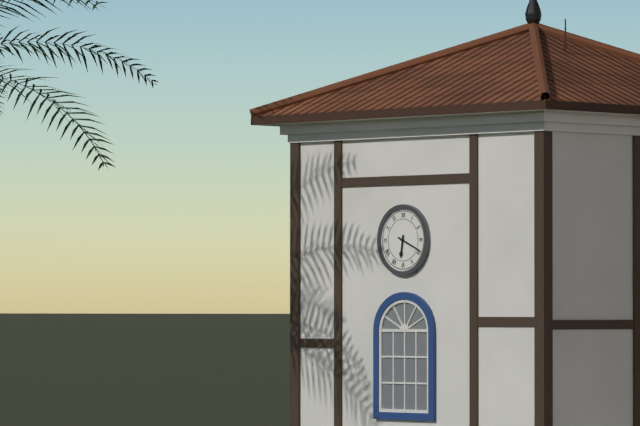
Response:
{"hour": 6, "minute": 19}
